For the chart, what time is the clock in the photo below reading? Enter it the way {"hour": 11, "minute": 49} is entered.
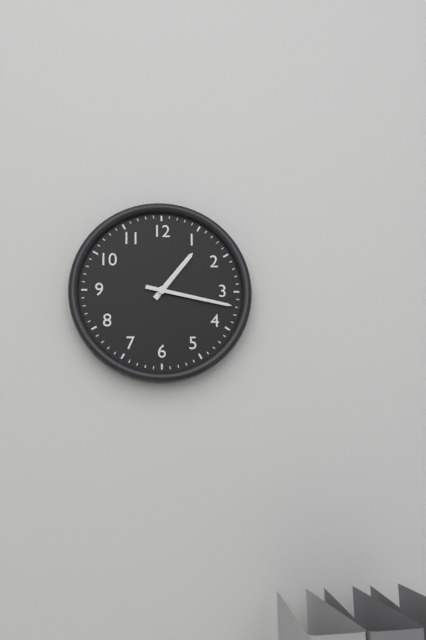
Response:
{"hour": 1, "minute": 17}
